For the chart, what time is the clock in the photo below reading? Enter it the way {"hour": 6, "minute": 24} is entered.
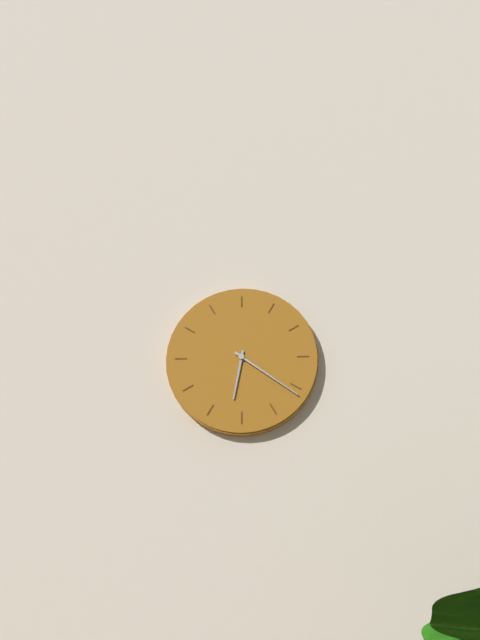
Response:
{"hour": 6, "minute": 21}
